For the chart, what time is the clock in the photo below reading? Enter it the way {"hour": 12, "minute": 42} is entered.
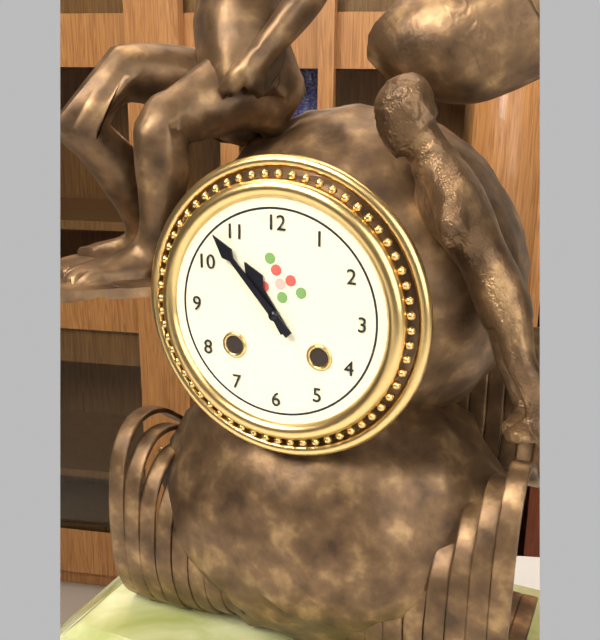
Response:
{"hour": 10, "minute": 53}
